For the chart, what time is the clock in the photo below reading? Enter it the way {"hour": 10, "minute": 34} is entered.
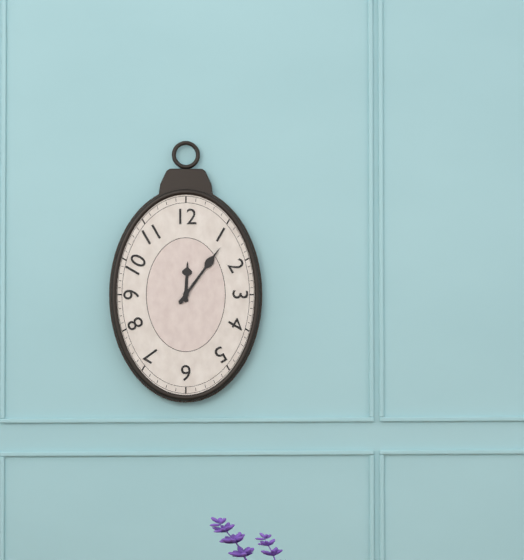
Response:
{"hour": 12, "minute": 6}
